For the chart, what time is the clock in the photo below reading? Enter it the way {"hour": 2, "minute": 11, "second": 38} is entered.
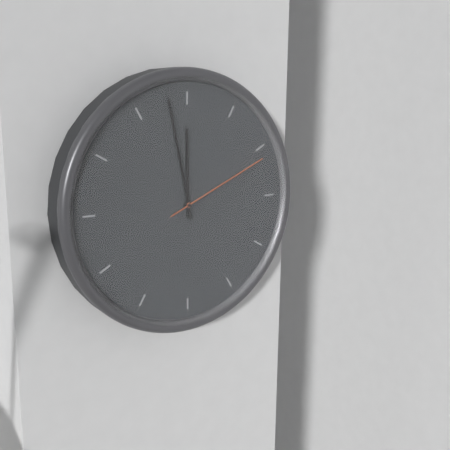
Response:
{"hour": 11, "minute": 58, "second": 11}
